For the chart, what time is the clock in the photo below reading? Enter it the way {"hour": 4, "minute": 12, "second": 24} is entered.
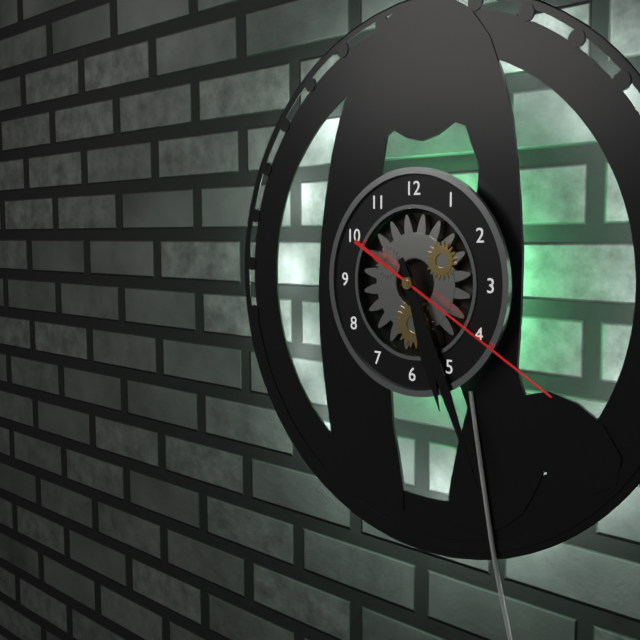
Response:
{"hour": 5, "minute": 26, "second": 20}
